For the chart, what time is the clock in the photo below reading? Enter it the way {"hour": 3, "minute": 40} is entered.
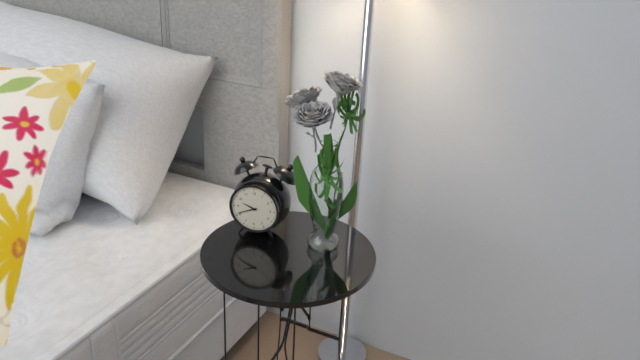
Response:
{"hour": 9, "minute": 41}
